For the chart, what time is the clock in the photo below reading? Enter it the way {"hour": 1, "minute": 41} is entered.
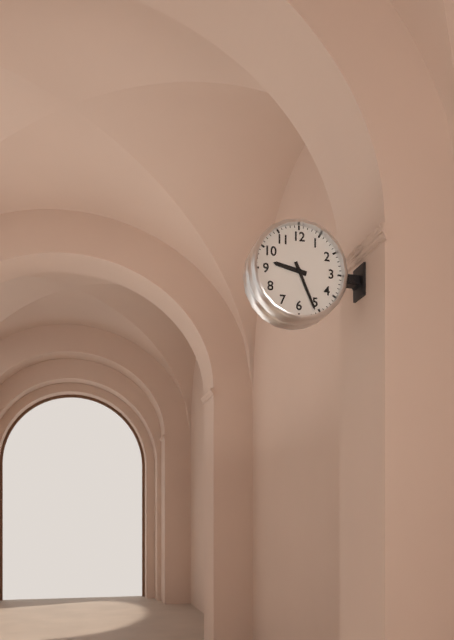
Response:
{"hour": 9, "minute": 26}
